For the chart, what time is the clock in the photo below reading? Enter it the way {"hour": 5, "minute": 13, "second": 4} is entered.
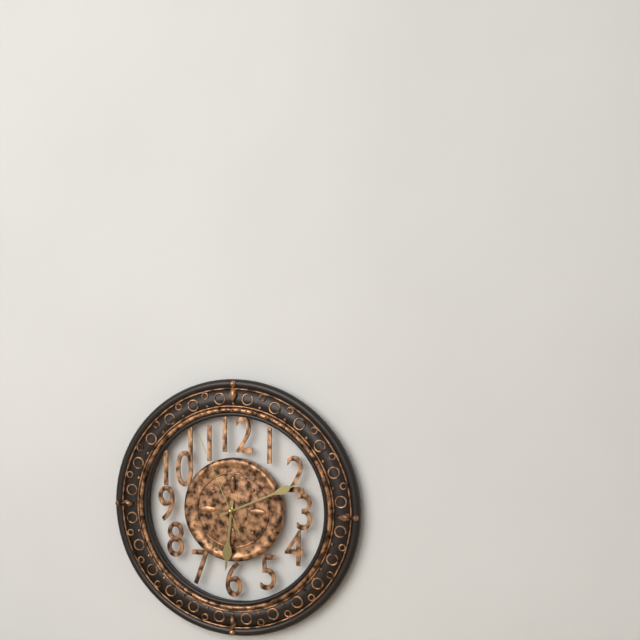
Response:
{"hour": 6, "minute": 11, "second": 56}
